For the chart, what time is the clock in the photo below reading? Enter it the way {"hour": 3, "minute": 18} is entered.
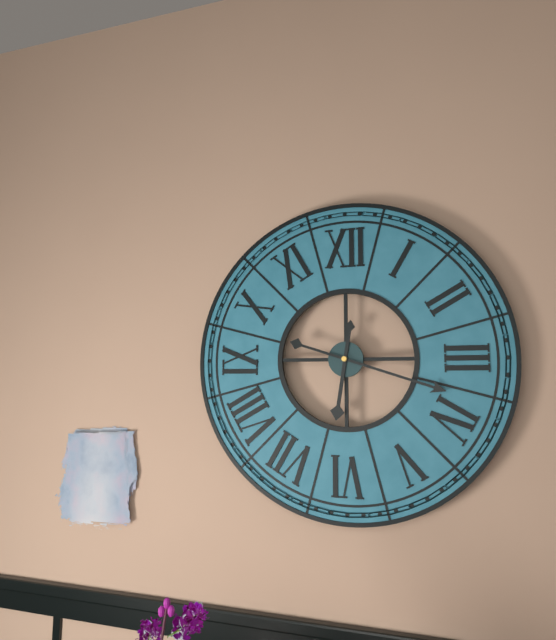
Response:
{"hour": 6, "minute": 18}
